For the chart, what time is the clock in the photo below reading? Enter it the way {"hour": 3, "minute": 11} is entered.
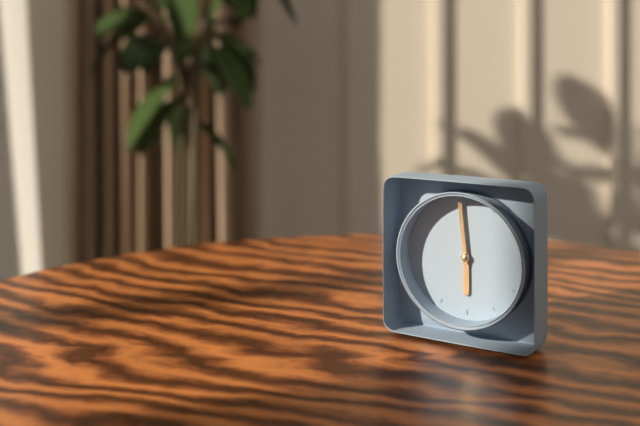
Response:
{"hour": 5, "minute": 59}
